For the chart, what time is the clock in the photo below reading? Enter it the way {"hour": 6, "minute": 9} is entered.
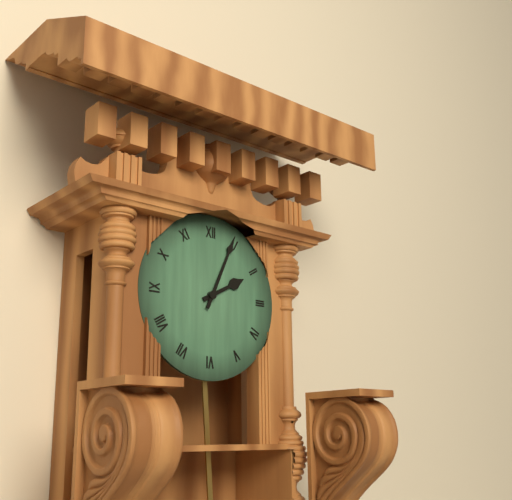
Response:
{"hour": 2, "minute": 4}
